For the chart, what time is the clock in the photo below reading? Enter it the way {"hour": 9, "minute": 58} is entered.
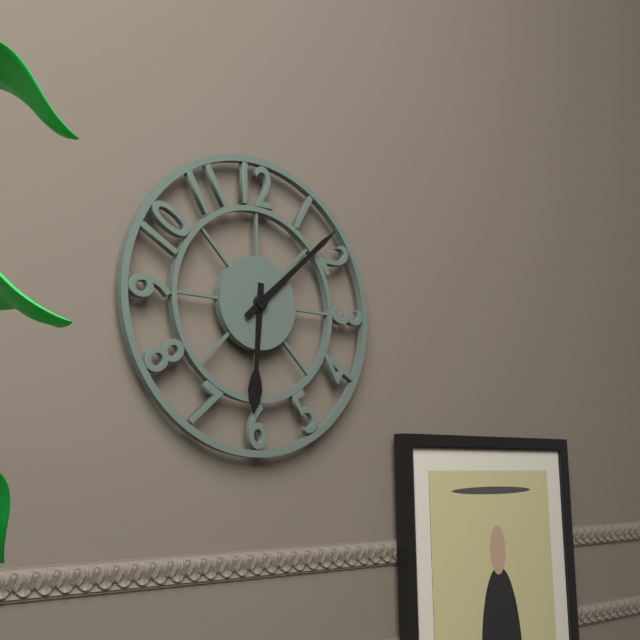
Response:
{"hour": 6, "minute": 8}
